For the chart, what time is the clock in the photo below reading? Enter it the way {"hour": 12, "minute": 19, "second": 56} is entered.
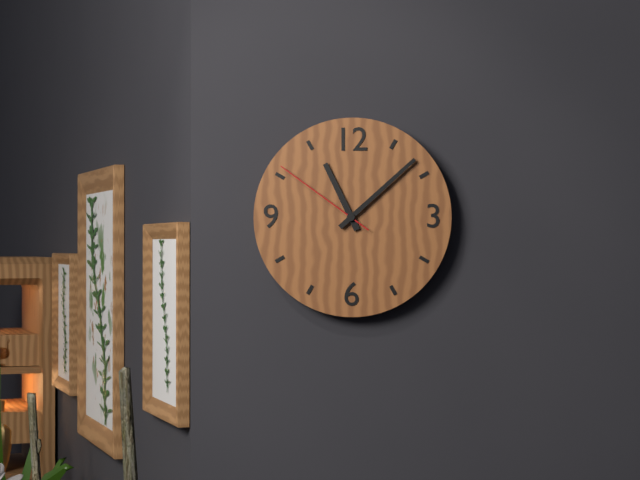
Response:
{"hour": 11, "minute": 8, "second": 51}
